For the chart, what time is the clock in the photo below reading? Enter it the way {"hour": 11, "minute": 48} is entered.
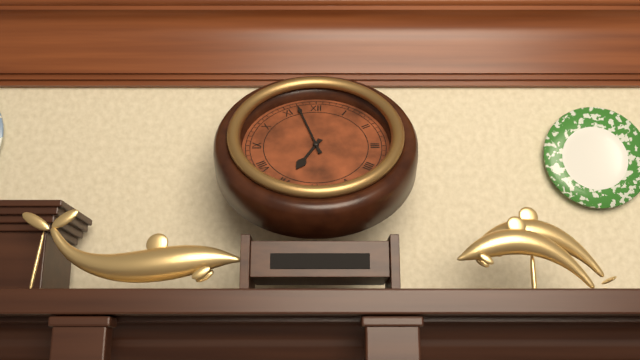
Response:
{"hour": 6, "minute": 57}
